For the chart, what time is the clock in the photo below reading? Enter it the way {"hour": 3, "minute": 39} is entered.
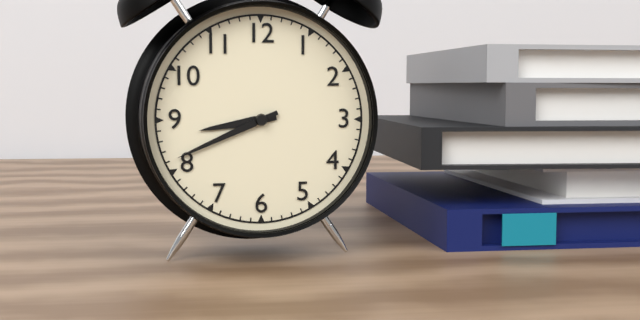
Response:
{"hour": 8, "minute": 41}
